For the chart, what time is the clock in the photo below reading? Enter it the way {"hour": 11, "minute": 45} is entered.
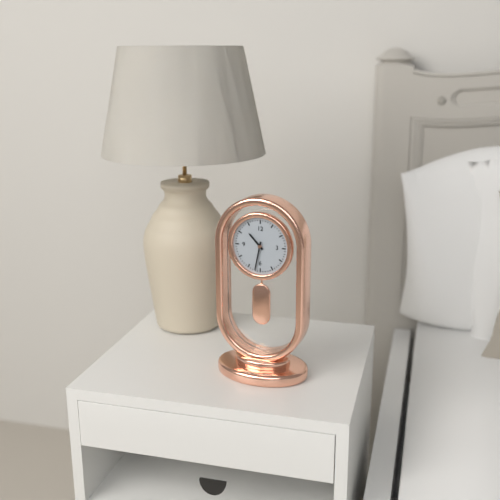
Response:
{"hour": 10, "minute": 32}
